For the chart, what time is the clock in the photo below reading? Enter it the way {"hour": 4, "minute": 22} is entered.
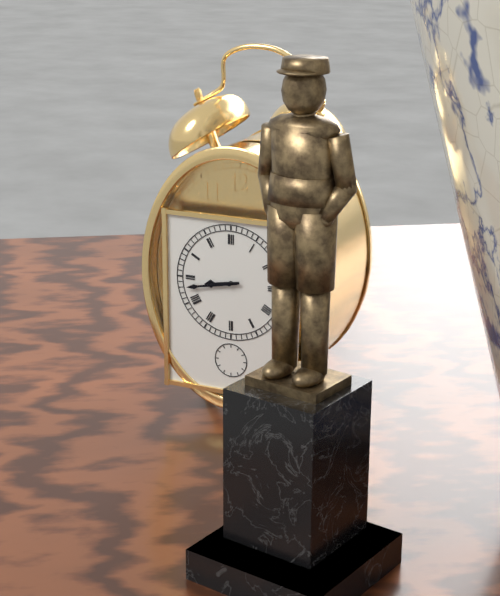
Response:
{"hour": 8, "minute": 43}
